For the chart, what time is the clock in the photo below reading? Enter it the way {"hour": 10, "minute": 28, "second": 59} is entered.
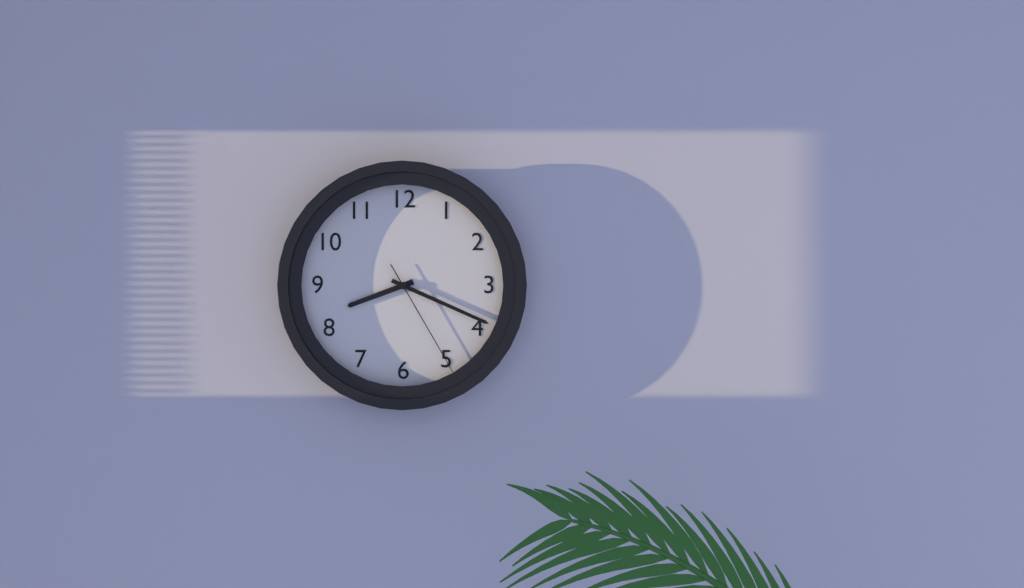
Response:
{"hour": 8, "minute": 19, "second": 25}
